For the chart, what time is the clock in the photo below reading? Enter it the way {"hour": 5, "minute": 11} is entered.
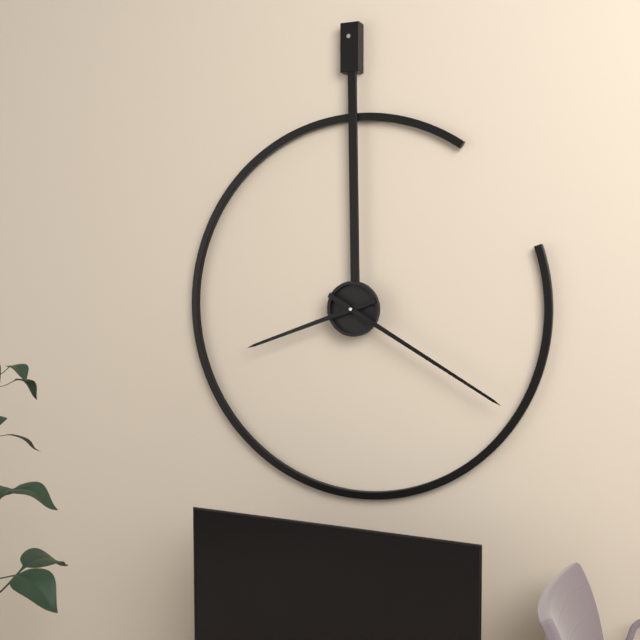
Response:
{"hour": 8, "minute": 20}
